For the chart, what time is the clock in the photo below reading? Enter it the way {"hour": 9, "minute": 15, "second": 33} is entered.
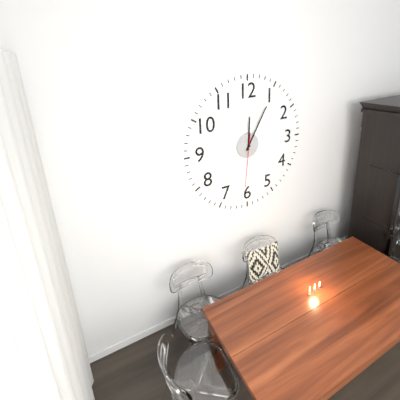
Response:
{"hour": 12, "minute": 5, "second": 31}
